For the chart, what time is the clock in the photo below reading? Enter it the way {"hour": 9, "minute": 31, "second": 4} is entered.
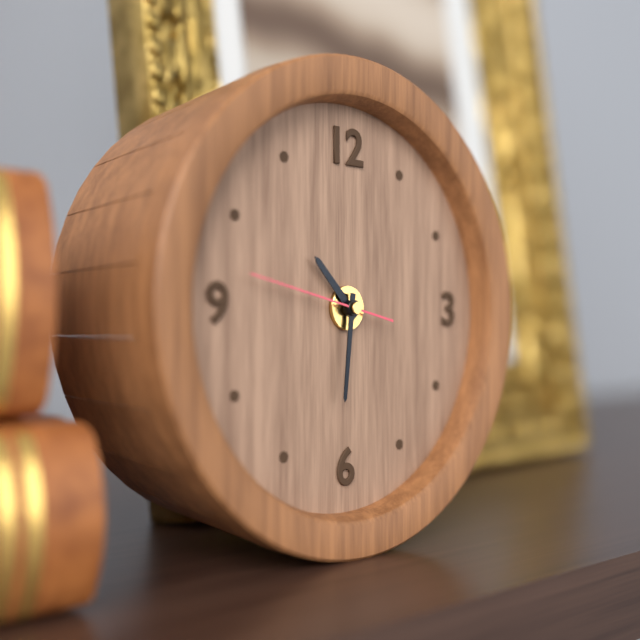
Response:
{"hour": 10, "minute": 31, "second": 47}
